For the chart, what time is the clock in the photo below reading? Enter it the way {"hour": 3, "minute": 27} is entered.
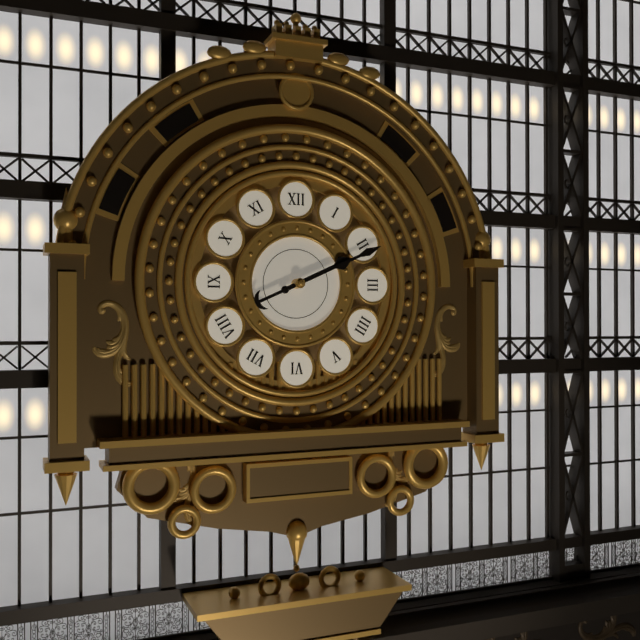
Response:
{"hour": 2, "minute": 11}
